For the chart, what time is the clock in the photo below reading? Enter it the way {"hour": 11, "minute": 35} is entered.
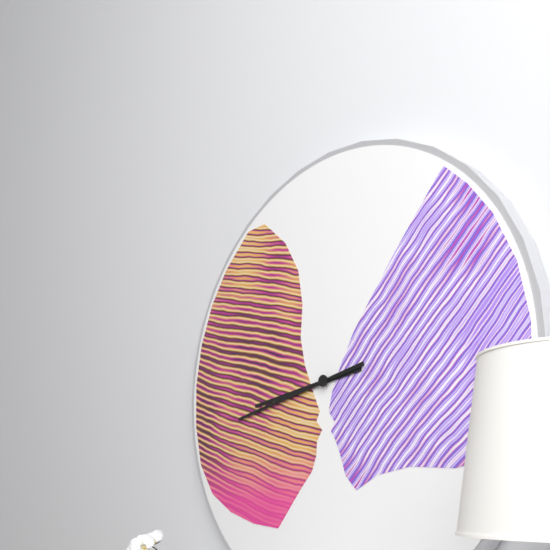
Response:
{"hour": 8, "minute": 43}
